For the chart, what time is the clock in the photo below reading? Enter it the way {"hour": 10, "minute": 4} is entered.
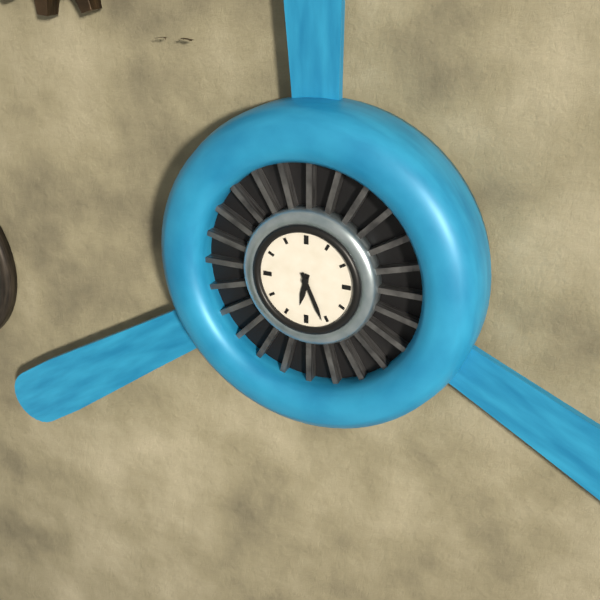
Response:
{"hour": 6, "minute": 26}
